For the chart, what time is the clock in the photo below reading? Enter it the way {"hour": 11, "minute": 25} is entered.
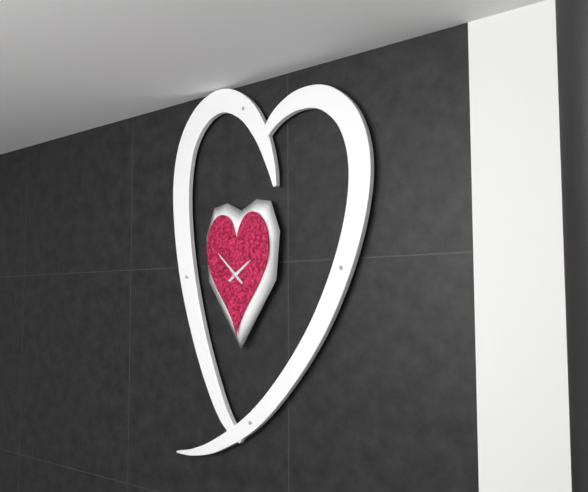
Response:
{"hour": 1, "minute": 52}
